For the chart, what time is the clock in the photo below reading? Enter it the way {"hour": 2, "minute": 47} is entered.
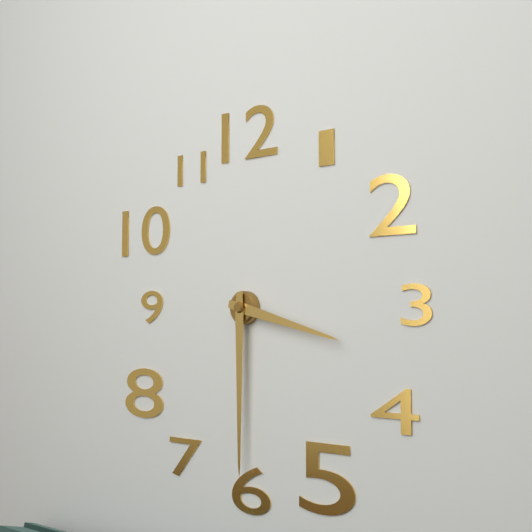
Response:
{"hour": 3, "minute": 30}
